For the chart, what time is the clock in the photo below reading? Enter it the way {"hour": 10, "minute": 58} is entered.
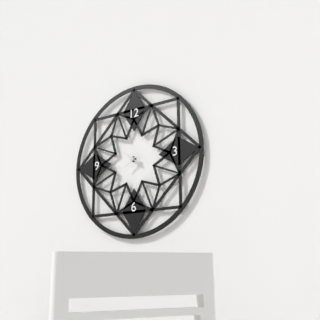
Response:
{"hour": 7, "minute": 51}
